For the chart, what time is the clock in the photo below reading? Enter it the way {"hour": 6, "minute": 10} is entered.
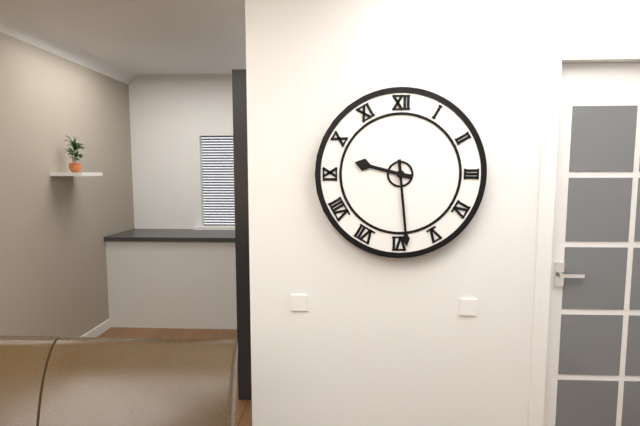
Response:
{"hour": 9, "minute": 29}
